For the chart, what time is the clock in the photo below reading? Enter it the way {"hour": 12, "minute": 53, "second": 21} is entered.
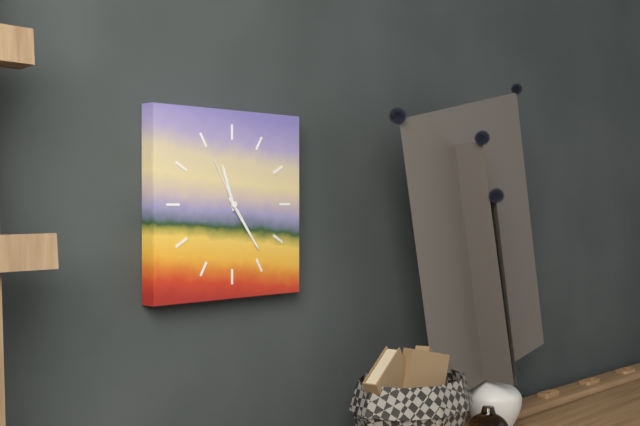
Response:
{"hour": 11, "minute": 24, "second": 55}
